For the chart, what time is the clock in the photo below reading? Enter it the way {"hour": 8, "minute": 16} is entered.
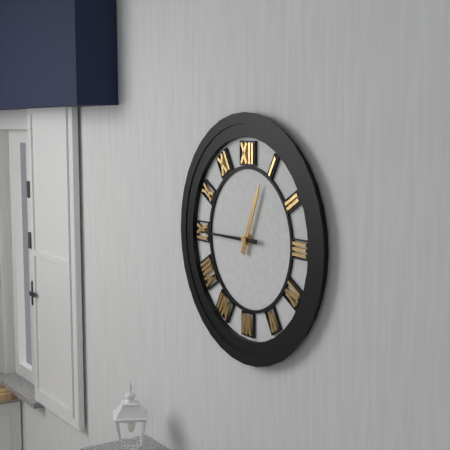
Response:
{"hour": 12, "minute": 45}
